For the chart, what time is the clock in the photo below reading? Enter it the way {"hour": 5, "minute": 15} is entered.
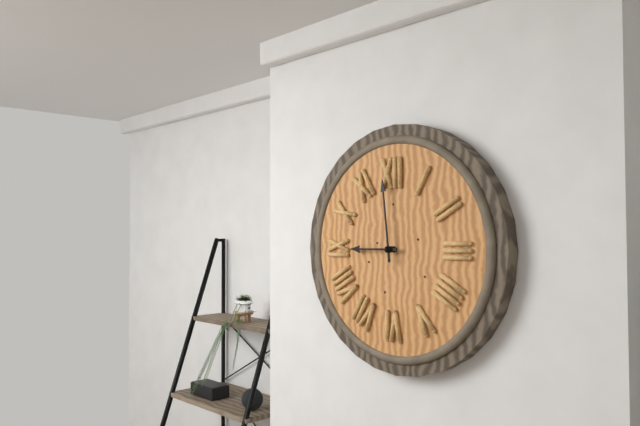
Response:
{"hour": 8, "minute": 59}
